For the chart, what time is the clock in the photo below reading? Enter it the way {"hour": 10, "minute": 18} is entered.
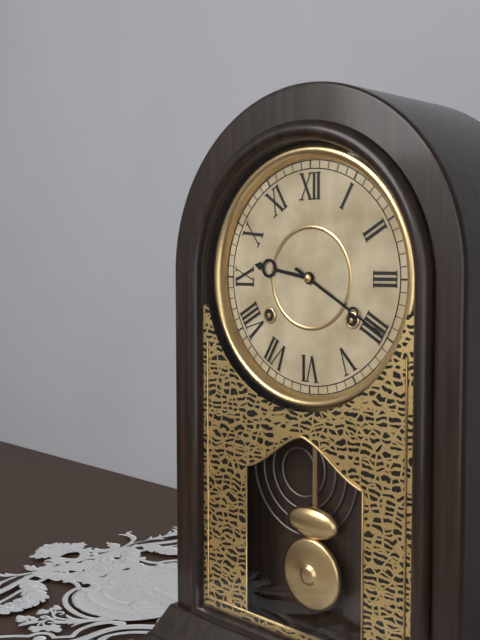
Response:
{"hour": 9, "minute": 20}
